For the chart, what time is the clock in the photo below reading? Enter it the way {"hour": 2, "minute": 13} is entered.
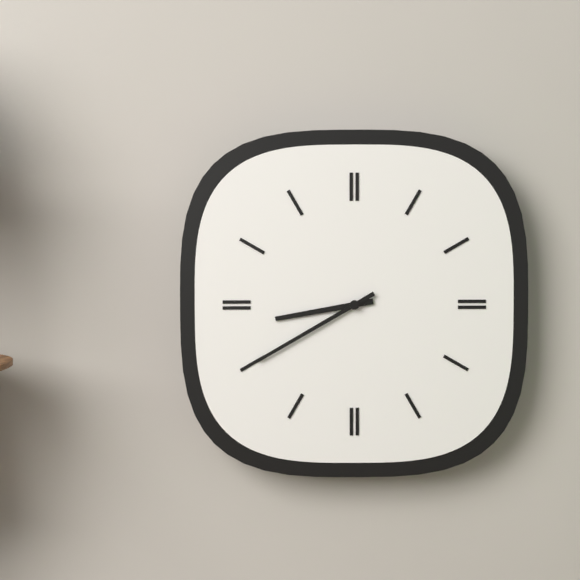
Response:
{"hour": 8, "minute": 40}
